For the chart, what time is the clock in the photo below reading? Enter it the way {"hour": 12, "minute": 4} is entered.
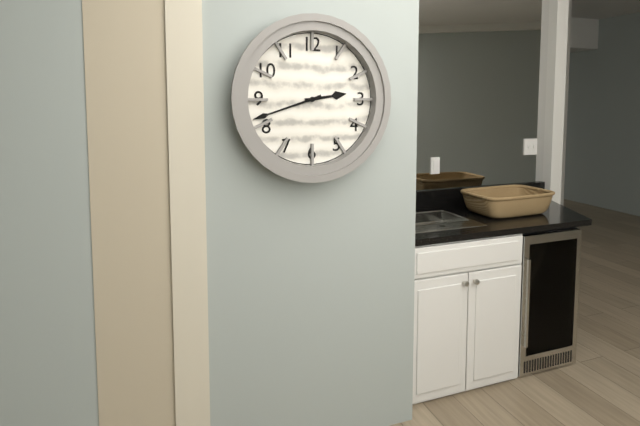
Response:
{"hour": 2, "minute": 42}
